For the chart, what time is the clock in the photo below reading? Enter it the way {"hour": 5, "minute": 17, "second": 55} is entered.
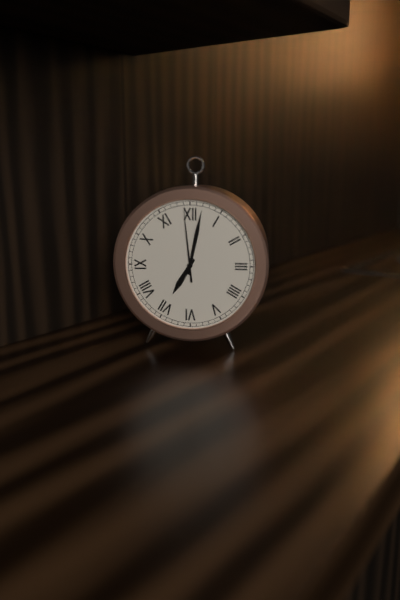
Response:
{"hour": 7, "minute": 2, "second": 59}
